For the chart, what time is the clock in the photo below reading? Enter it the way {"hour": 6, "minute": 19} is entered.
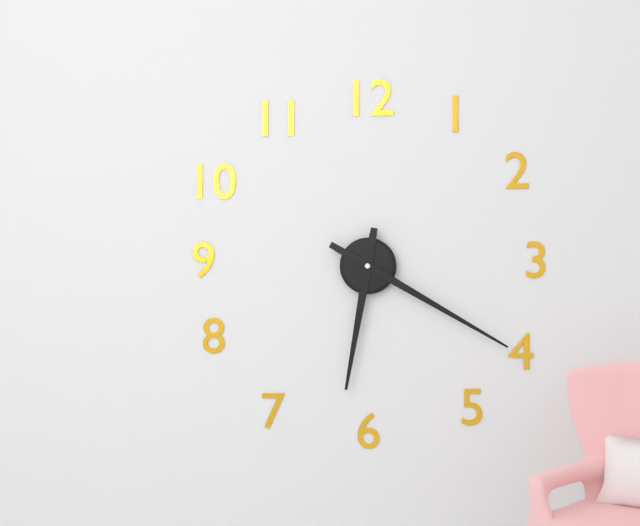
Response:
{"hour": 6, "minute": 20}
